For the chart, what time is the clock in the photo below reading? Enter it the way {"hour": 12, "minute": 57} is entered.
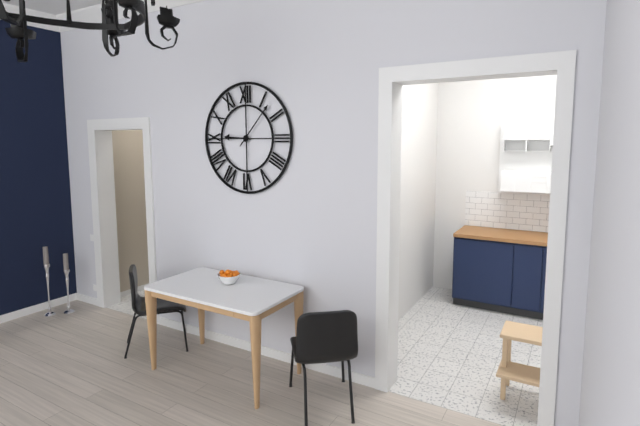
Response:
{"hour": 9, "minute": 7}
